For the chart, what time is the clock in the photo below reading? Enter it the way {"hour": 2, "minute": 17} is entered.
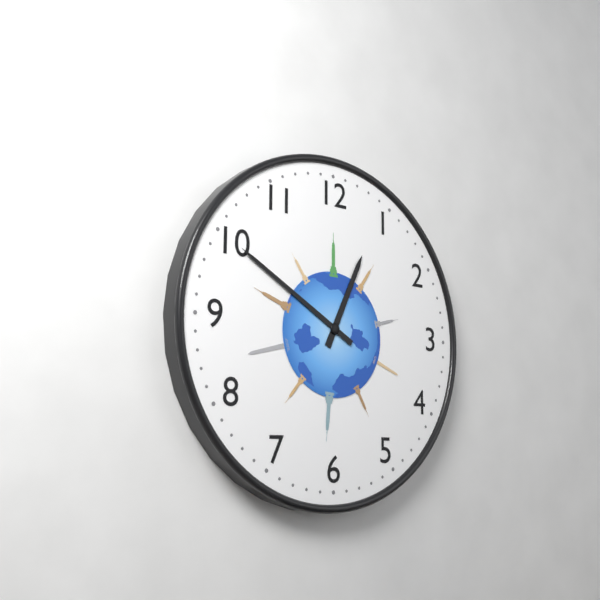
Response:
{"hour": 12, "minute": 50}
